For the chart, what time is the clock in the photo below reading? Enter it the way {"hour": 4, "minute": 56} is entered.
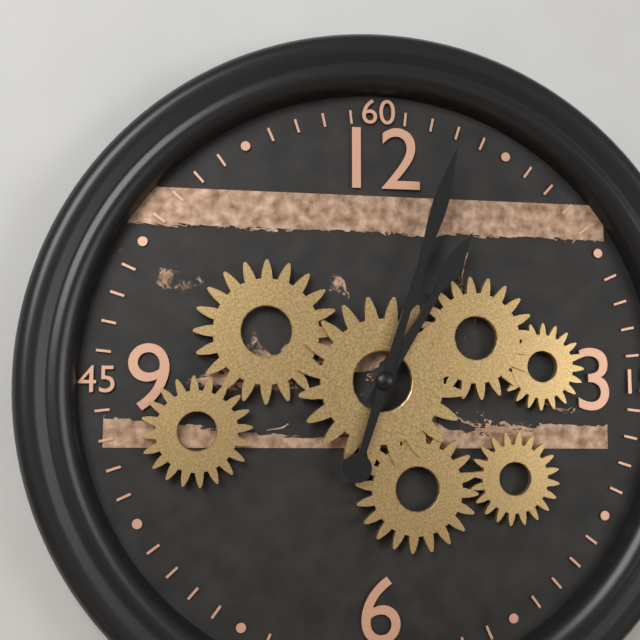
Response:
{"hour": 1, "minute": 3}
